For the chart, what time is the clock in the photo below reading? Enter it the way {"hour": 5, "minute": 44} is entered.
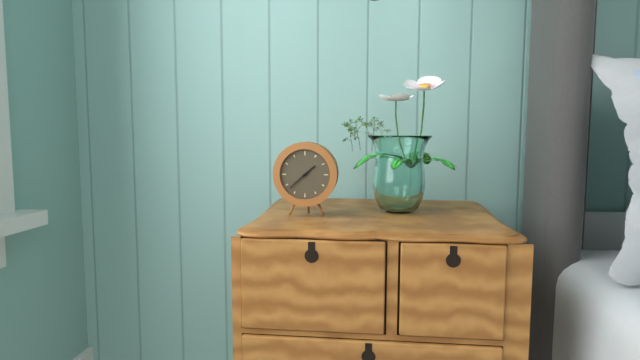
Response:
{"hour": 1, "minute": 38}
